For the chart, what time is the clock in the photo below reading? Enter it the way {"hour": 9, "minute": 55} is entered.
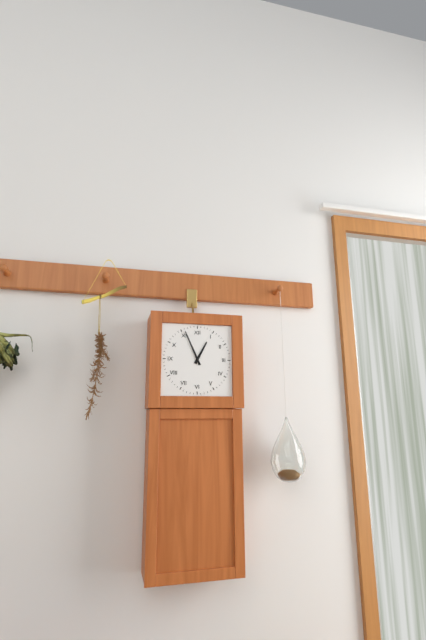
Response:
{"hour": 12, "minute": 56}
